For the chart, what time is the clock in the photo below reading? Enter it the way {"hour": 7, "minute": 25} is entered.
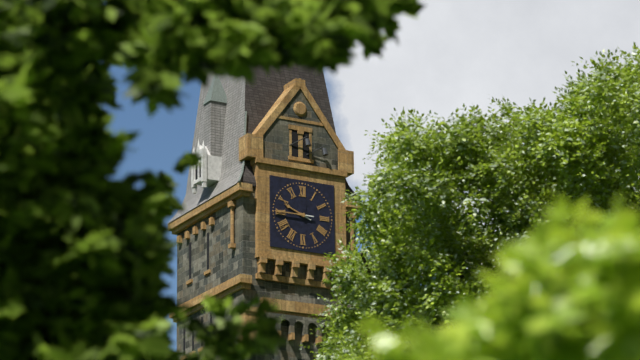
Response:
{"hour": 9, "minute": 45}
